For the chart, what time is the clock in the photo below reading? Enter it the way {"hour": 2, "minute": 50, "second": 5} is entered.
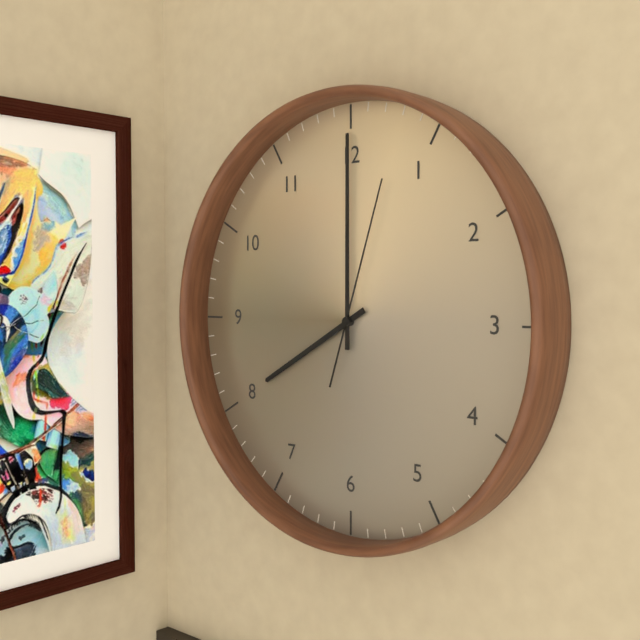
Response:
{"hour": 8, "minute": 0, "second": 3}
